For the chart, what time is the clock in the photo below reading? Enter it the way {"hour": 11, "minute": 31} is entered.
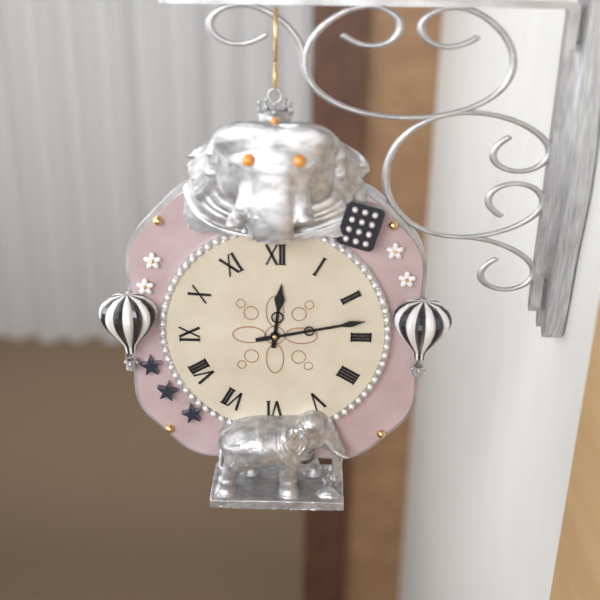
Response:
{"hour": 12, "minute": 13}
